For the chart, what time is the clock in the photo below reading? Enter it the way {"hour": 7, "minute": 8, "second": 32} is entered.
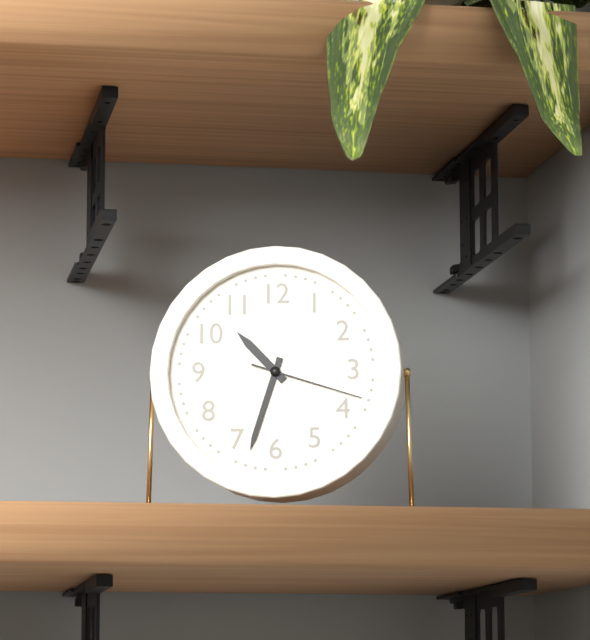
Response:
{"hour": 10, "minute": 33, "second": 18}
